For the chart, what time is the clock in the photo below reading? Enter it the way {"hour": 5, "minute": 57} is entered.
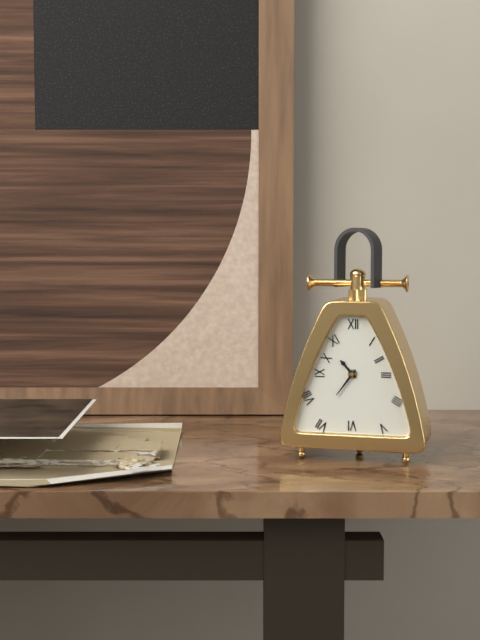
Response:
{"hour": 10, "minute": 36}
